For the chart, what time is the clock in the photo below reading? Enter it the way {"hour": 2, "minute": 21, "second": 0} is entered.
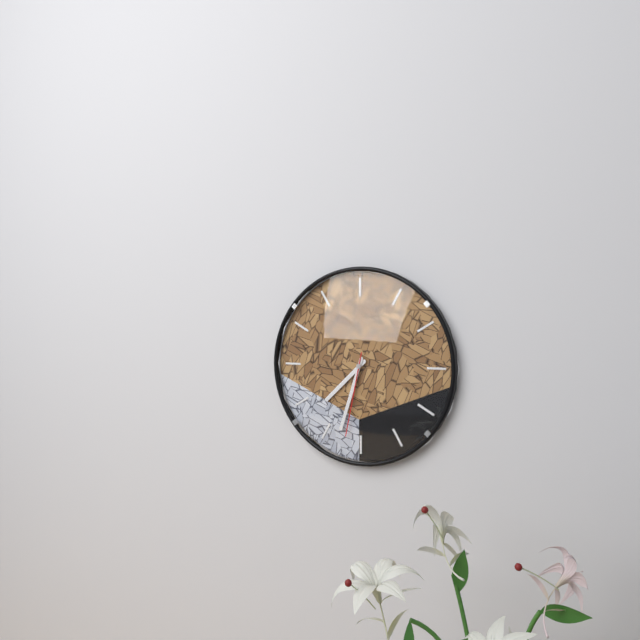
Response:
{"hour": 7, "minute": 33, "second": 32}
